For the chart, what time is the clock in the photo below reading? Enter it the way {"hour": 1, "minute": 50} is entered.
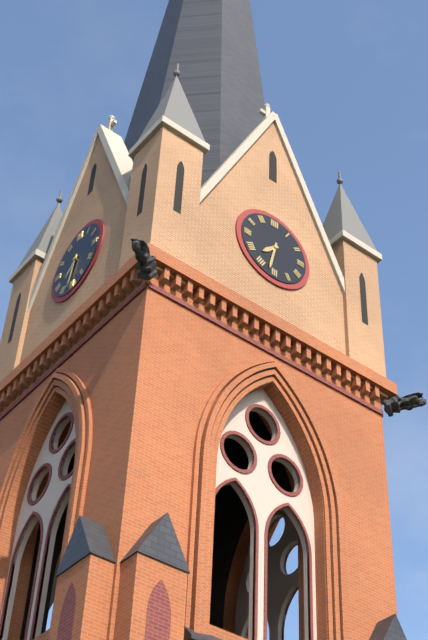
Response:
{"hour": 7, "minute": 32}
